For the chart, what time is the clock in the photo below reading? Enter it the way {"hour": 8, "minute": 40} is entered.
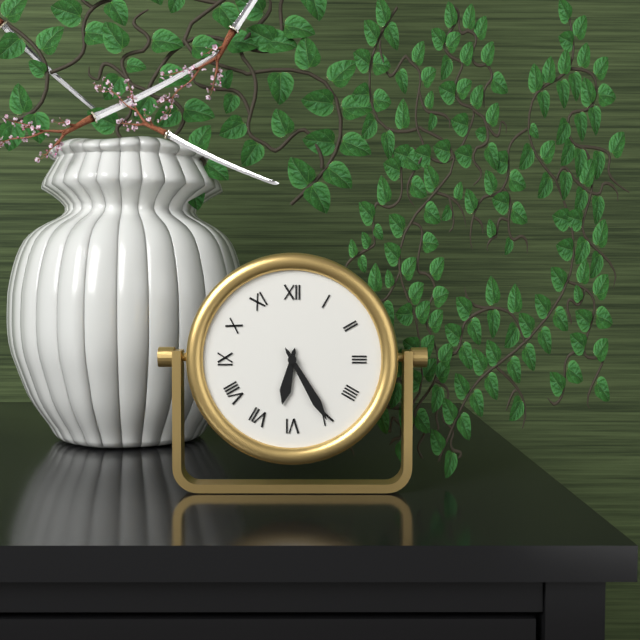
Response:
{"hour": 6, "minute": 25}
